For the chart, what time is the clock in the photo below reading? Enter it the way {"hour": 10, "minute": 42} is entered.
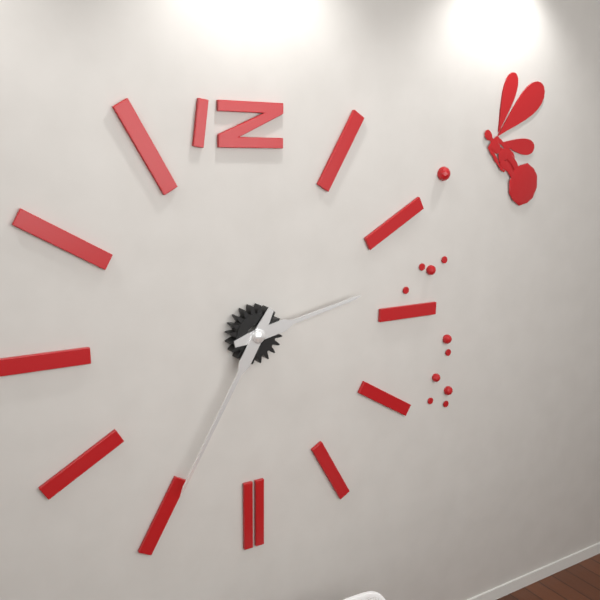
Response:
{"hour": 2, "minute": 35}
